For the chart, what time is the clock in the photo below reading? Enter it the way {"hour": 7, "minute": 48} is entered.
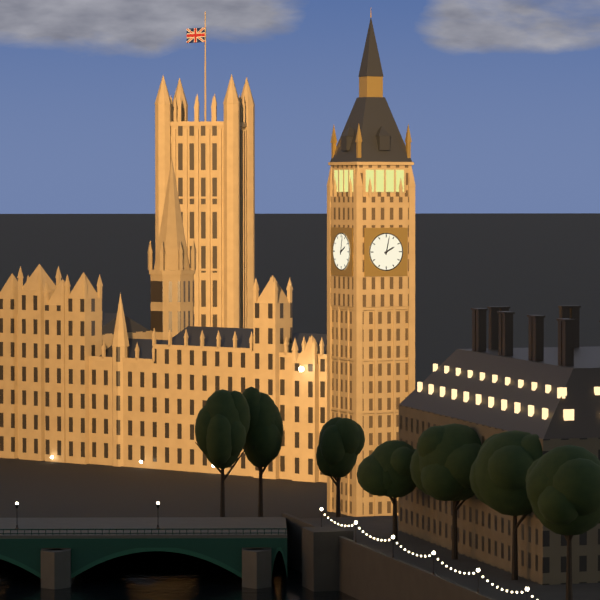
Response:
{"hour": 2, "minute": 2}
